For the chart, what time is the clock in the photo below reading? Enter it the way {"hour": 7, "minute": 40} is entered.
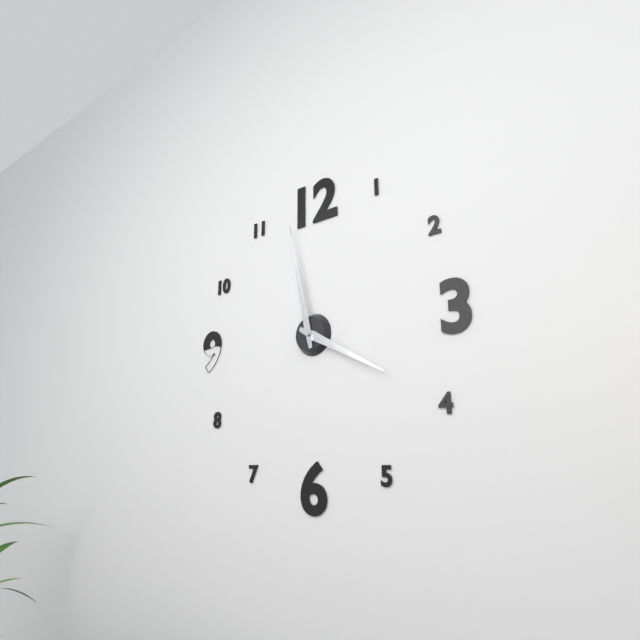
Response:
{"hour": 3, "minute": 58}
